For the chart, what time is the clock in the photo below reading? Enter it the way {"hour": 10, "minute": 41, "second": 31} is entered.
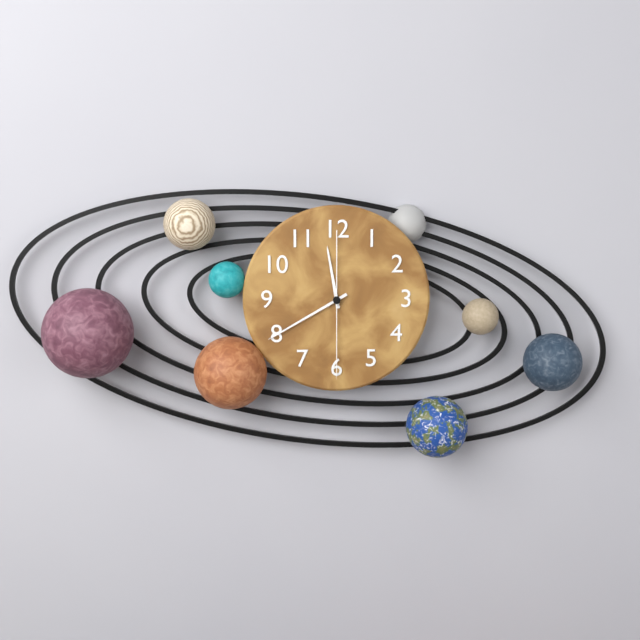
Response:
{"hour": 11, "minute": 40, "second": 30}
